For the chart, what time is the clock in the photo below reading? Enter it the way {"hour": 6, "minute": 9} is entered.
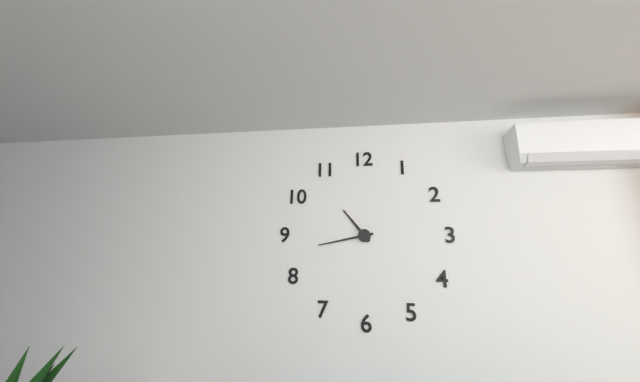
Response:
{"hour": 10, "minute": 43}
